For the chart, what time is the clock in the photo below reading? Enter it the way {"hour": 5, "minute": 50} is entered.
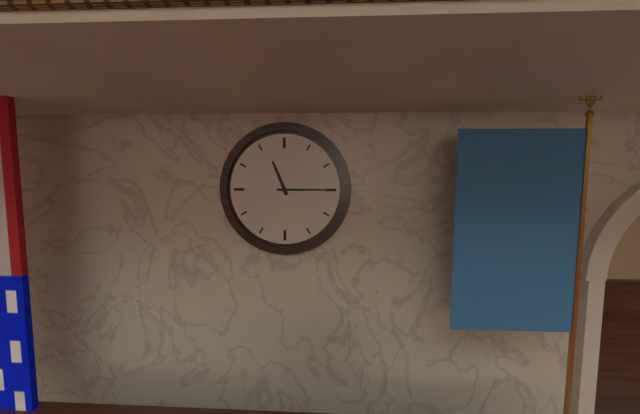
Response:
{"hour": 11, "minute": 15}
